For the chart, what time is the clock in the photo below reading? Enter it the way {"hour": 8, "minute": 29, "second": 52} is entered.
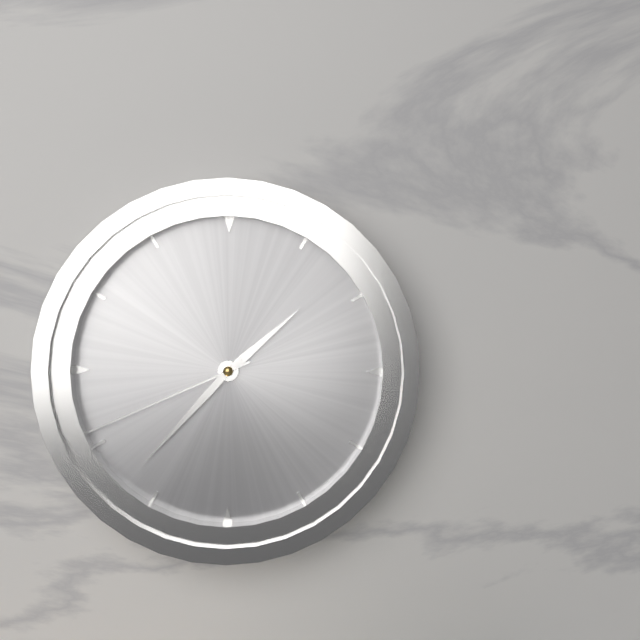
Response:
{"hour": 1, "minute": 37, "second": 41}
